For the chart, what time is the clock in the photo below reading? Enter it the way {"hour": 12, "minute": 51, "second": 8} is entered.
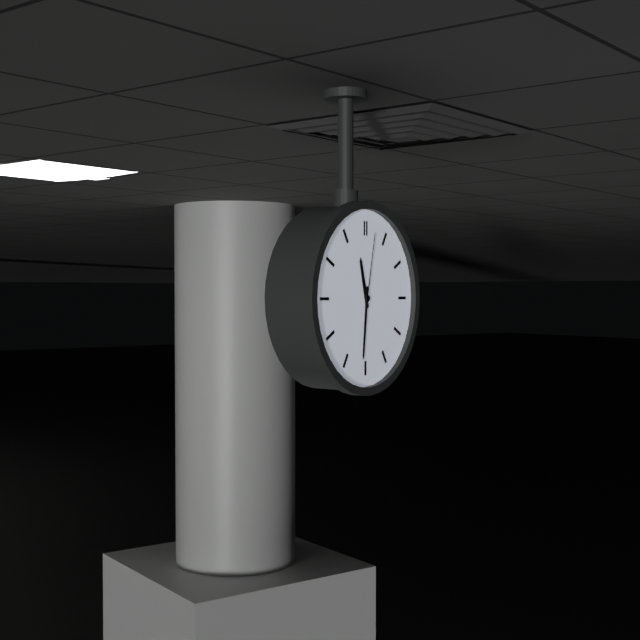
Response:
{"hour": 11, "minute": 31, "second": 2}
